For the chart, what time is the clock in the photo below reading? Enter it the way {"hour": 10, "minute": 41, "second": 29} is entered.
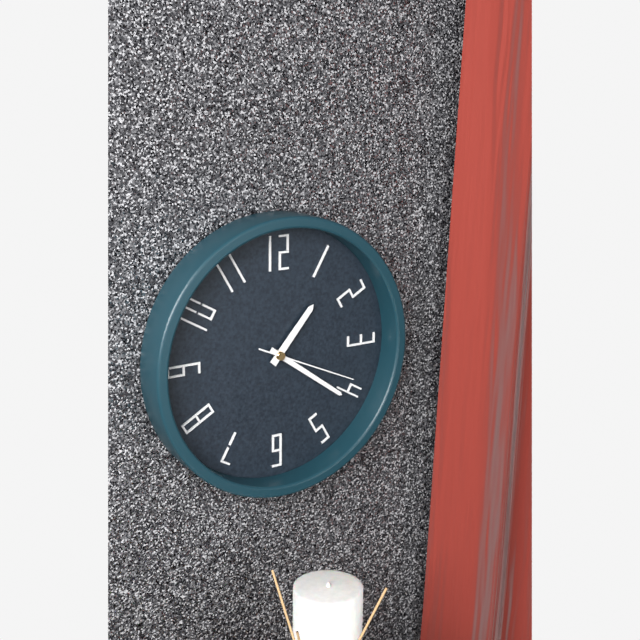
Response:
{"hour": 1, "minute": 21, "second": 19}
